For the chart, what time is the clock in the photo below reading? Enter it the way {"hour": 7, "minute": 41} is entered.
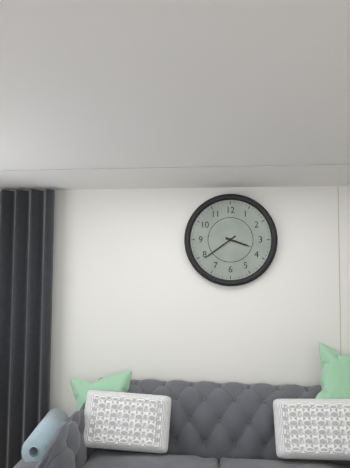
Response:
{"hour": 3, "minute": 39}
